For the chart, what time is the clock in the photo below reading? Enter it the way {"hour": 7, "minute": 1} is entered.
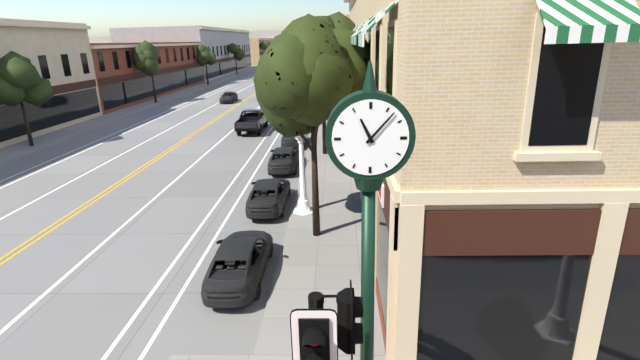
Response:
{"hour": 11, "minute": 7}
